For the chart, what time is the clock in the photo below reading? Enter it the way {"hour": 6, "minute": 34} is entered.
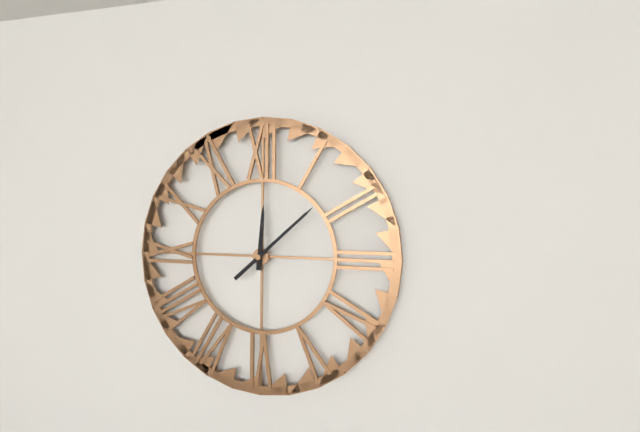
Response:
{"hour": 12, "minute": 8}
